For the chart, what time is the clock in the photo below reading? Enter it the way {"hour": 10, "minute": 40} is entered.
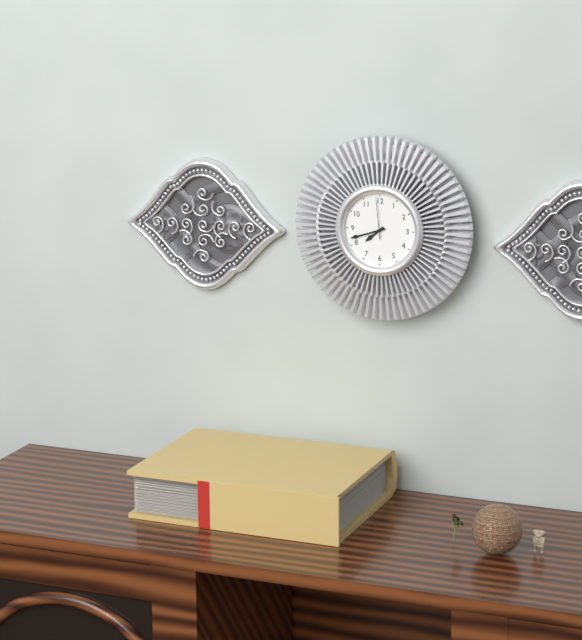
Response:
{"hour": 7, "minute": 42}
